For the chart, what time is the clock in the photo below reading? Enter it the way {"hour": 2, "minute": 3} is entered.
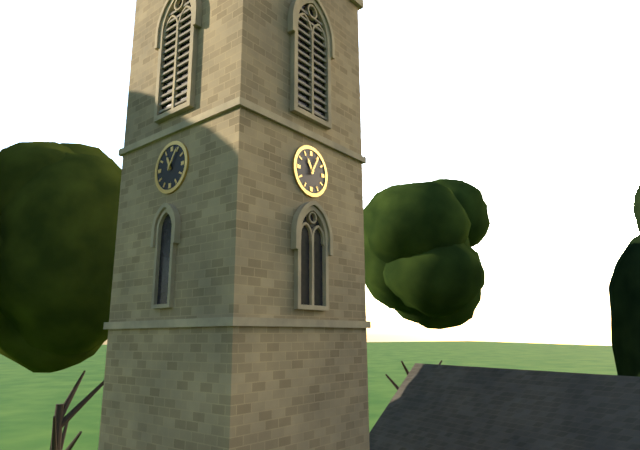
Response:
{"hour": 11, "minute": 5}
